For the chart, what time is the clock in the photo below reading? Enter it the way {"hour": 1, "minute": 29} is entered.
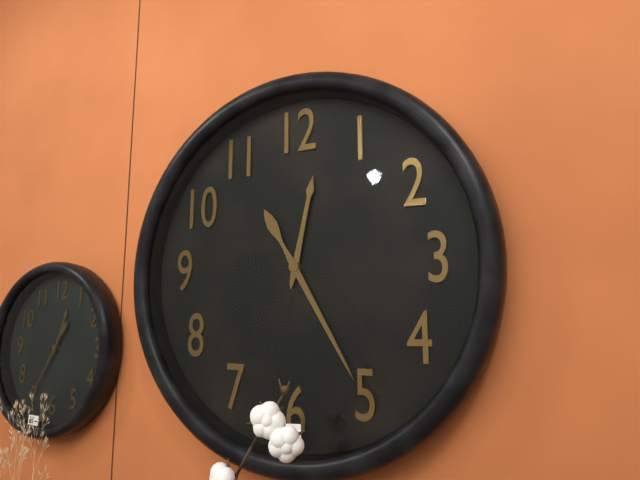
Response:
{"hour": 12, "minute": 25}
